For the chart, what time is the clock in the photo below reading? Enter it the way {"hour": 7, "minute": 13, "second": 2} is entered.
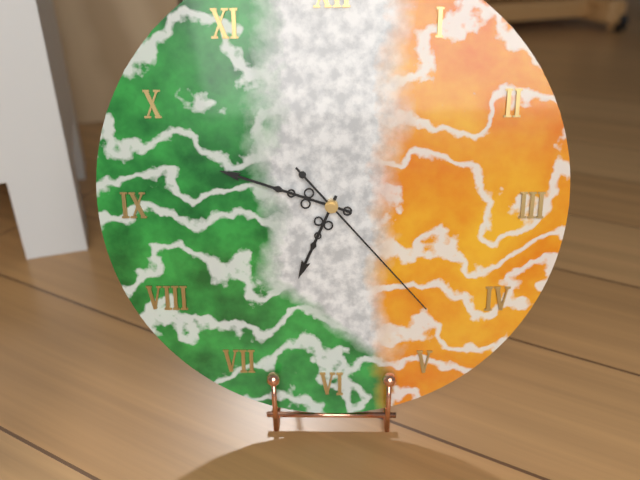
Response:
{"hour": 6, "minute": 48, "second": 23}
